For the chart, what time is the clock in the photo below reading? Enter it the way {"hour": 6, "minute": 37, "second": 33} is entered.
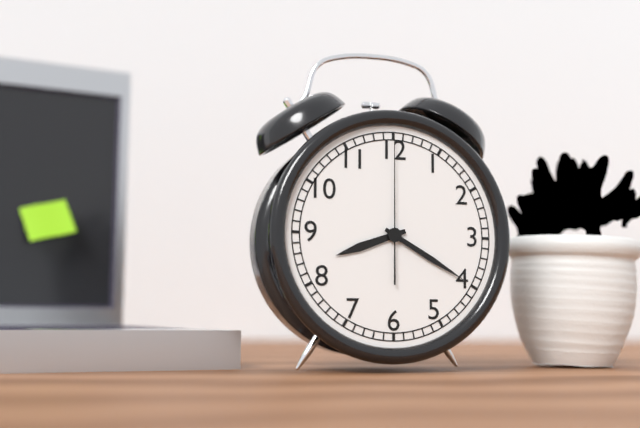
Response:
{"hour": 8, "minute": 20, "second": 0}
